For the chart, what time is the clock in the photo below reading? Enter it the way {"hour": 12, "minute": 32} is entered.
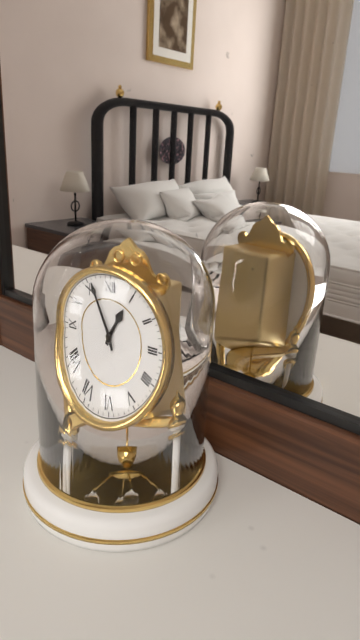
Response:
{"hour": 12, "minute": 56}
